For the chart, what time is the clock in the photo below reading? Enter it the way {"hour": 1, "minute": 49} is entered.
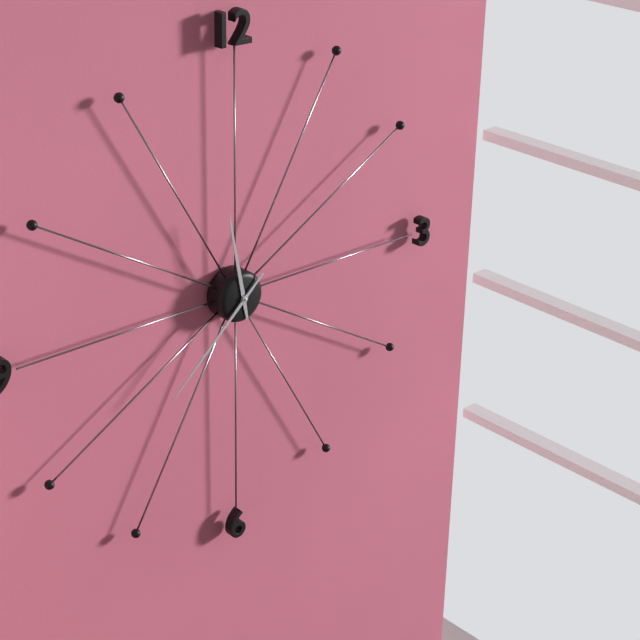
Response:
{"hour": 11, "minute": 38}
